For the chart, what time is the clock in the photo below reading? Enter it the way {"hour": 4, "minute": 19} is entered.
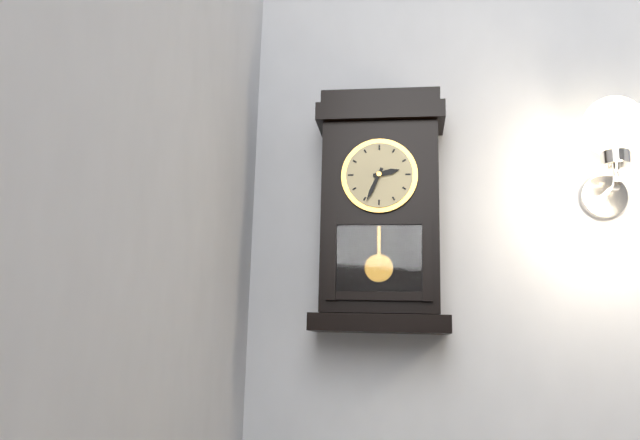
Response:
{"hour": 2, "minute": 34}
